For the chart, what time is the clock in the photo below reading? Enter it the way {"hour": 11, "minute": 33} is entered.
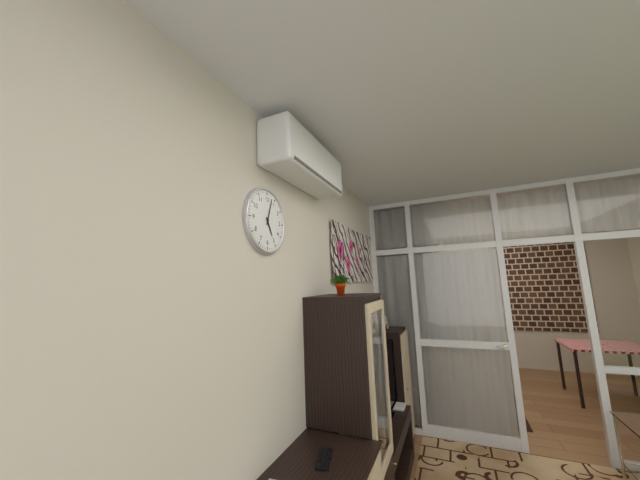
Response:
{"hour": 5, "minute": 3}
